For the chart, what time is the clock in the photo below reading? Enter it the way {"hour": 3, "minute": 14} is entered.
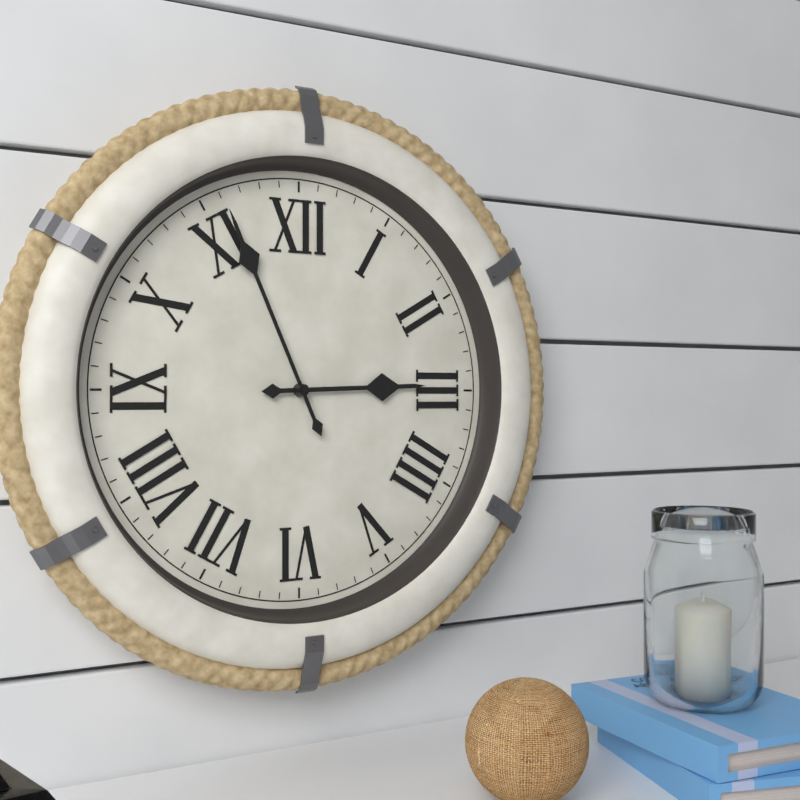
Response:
{"hour": 2, "minute": 56}
